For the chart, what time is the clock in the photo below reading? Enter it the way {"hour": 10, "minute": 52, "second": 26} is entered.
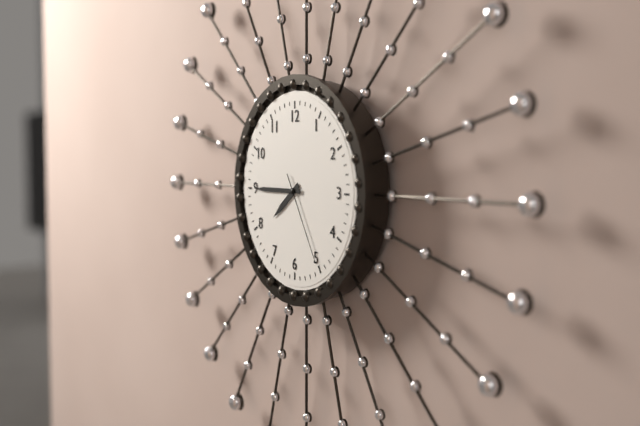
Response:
{"hour": 7, "minute": 45, "second": 25}
